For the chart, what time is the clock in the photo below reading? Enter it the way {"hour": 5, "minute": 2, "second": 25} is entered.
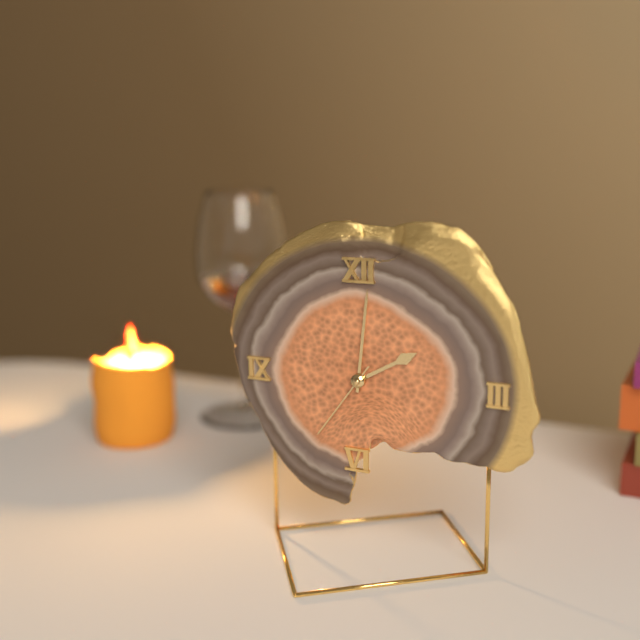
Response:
{"hour": 2, "minute": 1, "second": 36}
